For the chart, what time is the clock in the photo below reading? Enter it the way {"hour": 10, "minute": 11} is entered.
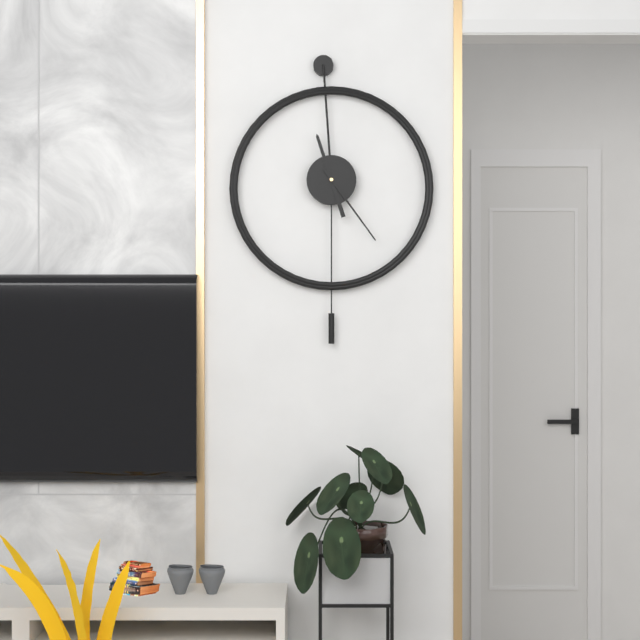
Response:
{"hour": 11, "minute": 24}
